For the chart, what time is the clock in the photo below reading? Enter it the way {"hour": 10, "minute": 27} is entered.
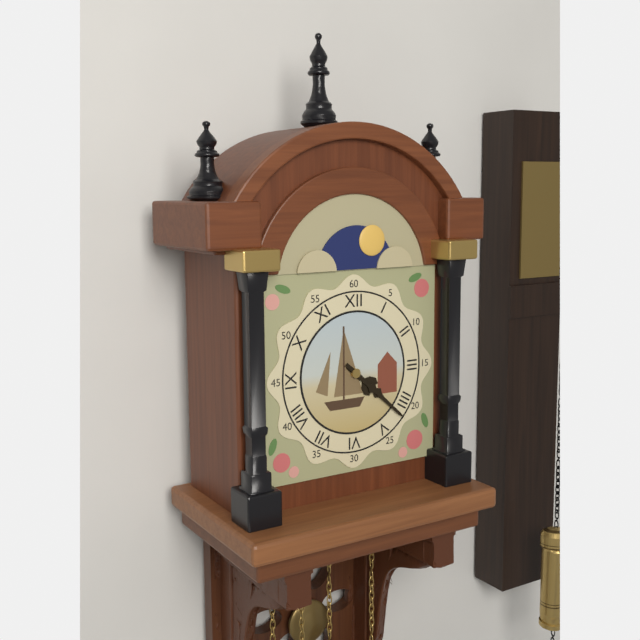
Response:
{"hour": 4, "minute": 22}
